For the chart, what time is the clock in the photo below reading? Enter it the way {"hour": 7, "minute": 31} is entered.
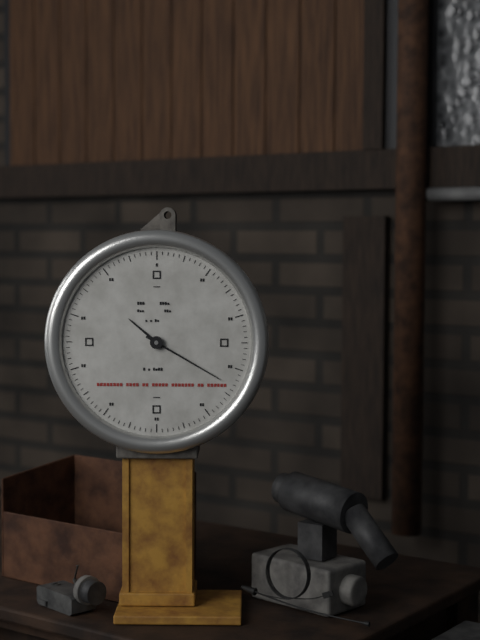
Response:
{"hour": 10, "minute": 20}
